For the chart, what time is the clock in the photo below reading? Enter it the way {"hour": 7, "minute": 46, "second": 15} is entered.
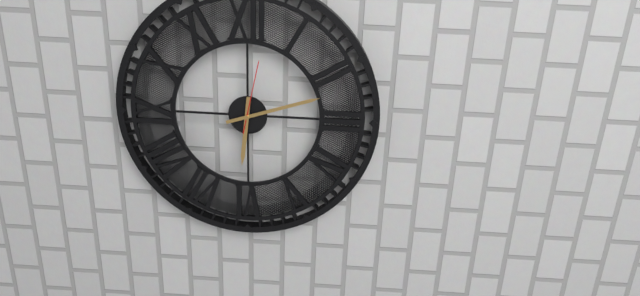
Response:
{"hour": 6, "minute": 12, "second": 2}
